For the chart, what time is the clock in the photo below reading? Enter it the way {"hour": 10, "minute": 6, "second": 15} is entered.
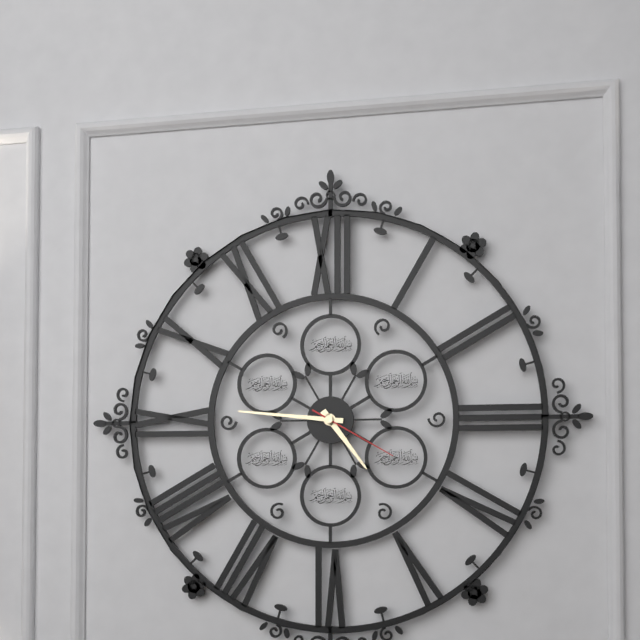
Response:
{"hour": 4, "minute": 46, "second": 20}
